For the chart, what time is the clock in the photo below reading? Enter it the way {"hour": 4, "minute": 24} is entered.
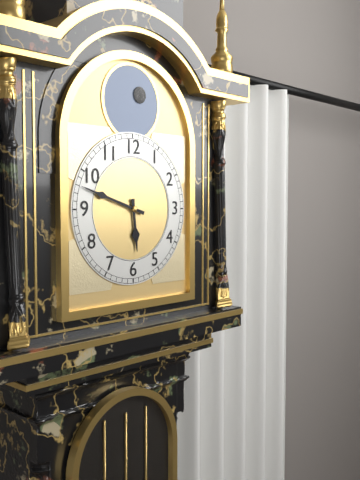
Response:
{"hour": 5, "minute": 48}
